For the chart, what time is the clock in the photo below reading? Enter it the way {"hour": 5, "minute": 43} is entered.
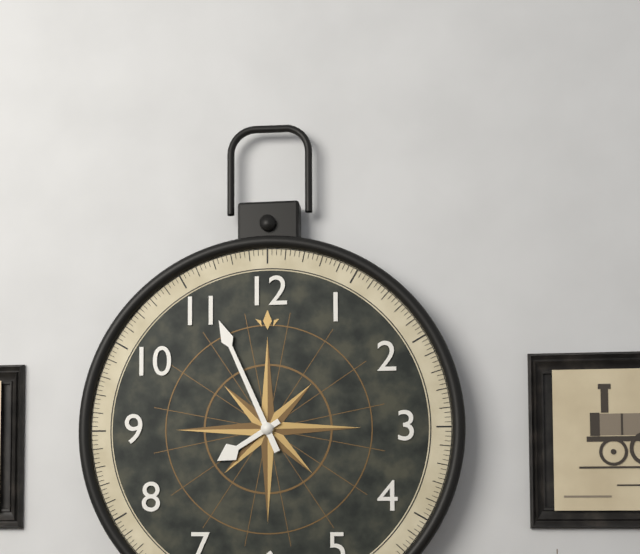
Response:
{"hour": 7, "minute": 56}
